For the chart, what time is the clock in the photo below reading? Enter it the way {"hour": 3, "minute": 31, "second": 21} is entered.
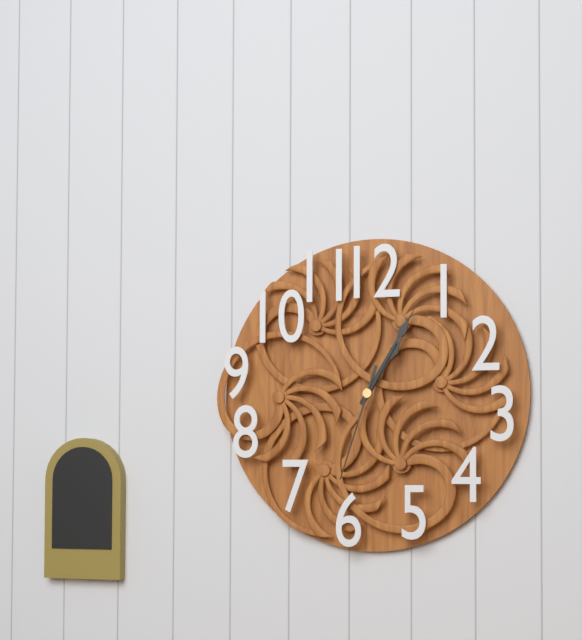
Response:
{"hour": 1, "minute": 5, "second": 33}
